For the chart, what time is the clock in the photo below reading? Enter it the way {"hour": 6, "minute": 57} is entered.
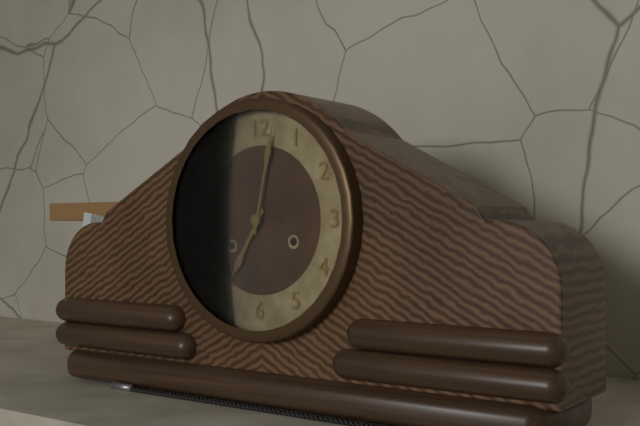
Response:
{"hour": 7, "minute": 2}
